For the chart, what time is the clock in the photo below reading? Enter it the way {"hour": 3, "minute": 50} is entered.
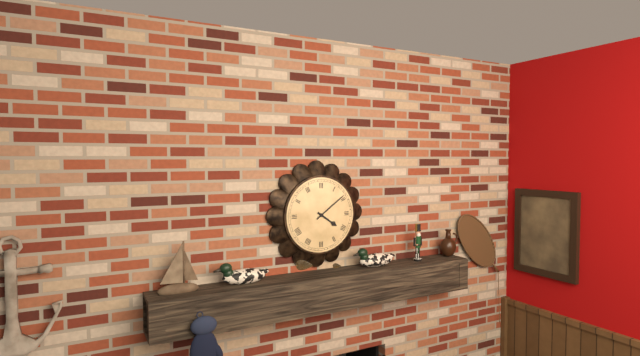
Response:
{"hour": 4, "minute": 9}
